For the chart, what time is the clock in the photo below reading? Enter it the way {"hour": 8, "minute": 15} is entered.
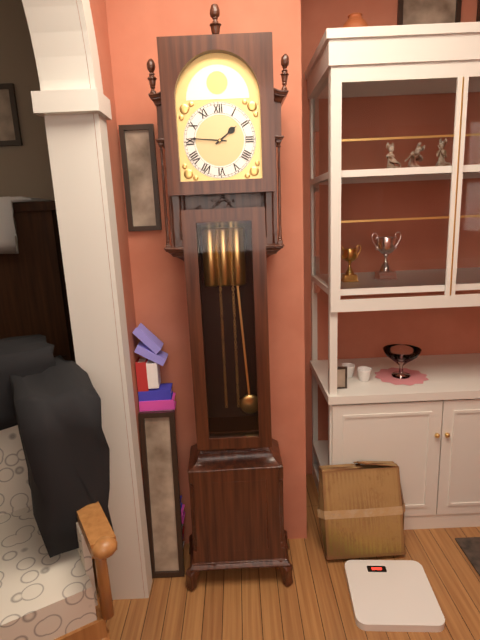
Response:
{"hour": 1, "minute": 46}
